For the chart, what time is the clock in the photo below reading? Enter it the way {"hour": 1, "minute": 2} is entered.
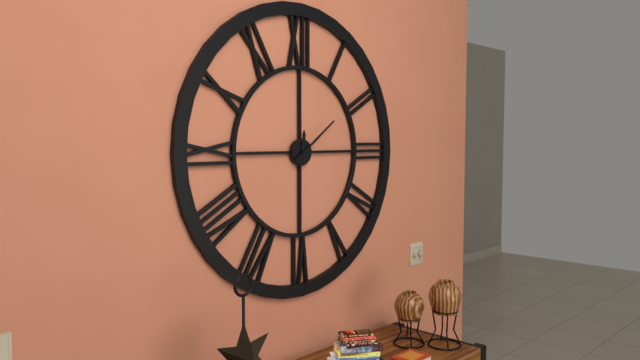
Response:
{"hour": 12, "minute": 9}
